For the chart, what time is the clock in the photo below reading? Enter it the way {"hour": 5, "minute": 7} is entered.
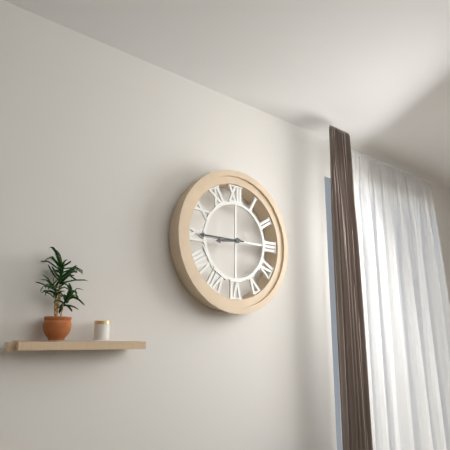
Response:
{"hour": 8, "minute": 45}
